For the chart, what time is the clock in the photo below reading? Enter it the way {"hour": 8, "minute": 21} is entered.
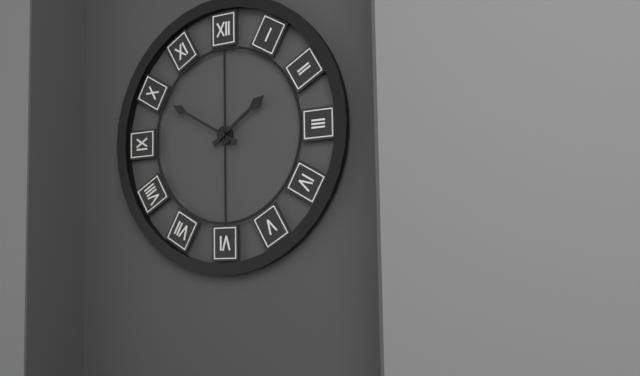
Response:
{"hour": 1, "minute": 50}
